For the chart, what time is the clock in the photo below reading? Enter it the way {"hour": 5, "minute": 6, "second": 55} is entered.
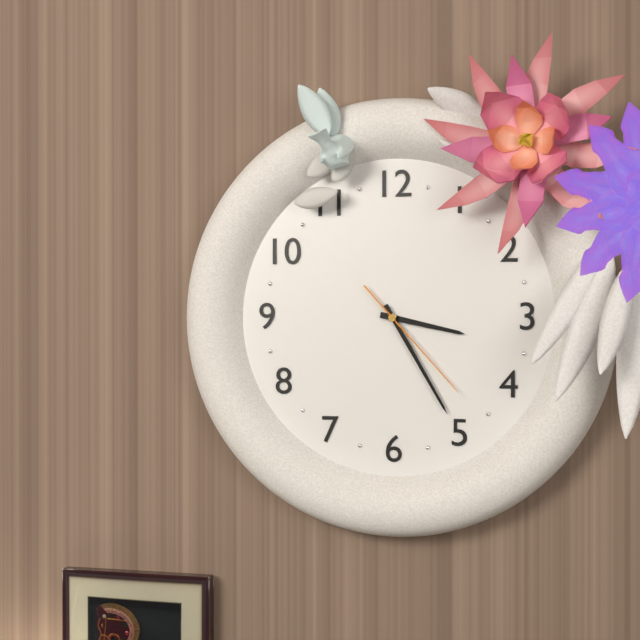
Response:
{"hour": 3, "minute": 25, "second": 23}
